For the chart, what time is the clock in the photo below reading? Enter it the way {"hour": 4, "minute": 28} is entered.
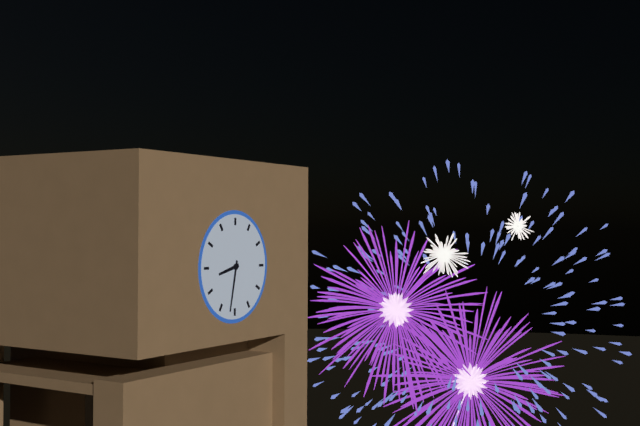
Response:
{"hour": 8, "minute": 32}
